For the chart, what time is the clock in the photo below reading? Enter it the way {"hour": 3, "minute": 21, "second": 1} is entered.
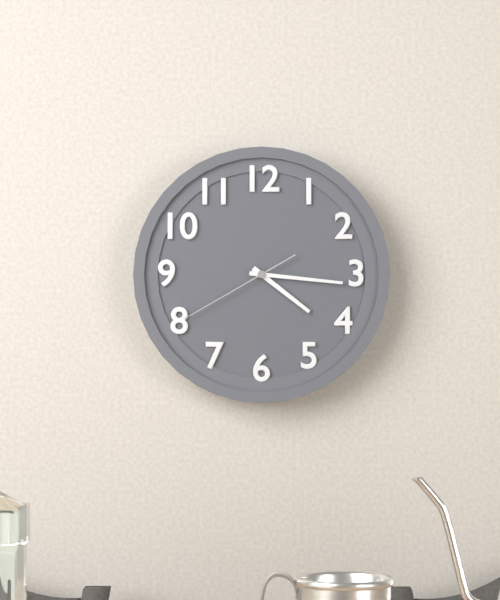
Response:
{"hour": 4, "minute": 16, "second": 40}
